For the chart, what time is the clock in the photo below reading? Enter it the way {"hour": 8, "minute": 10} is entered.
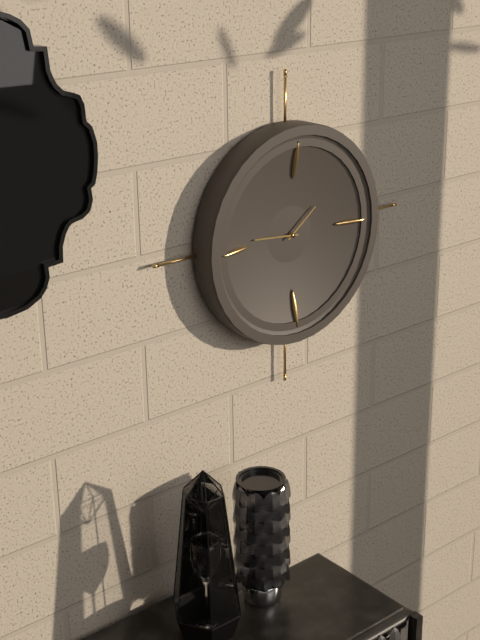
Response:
{"hour": 1, "minute": 46}
